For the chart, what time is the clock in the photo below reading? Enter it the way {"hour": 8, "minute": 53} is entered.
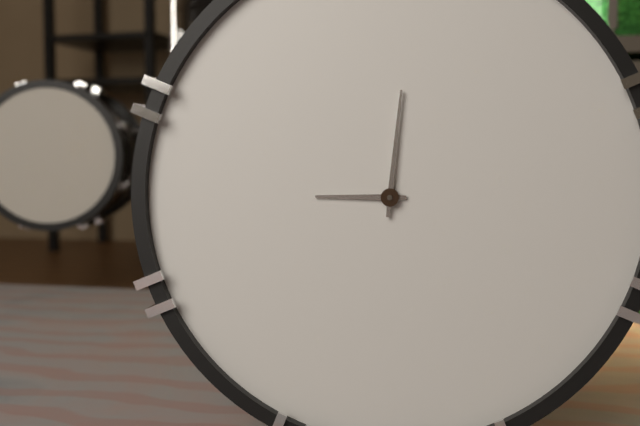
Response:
{"hour": 9, "minute": 1}
